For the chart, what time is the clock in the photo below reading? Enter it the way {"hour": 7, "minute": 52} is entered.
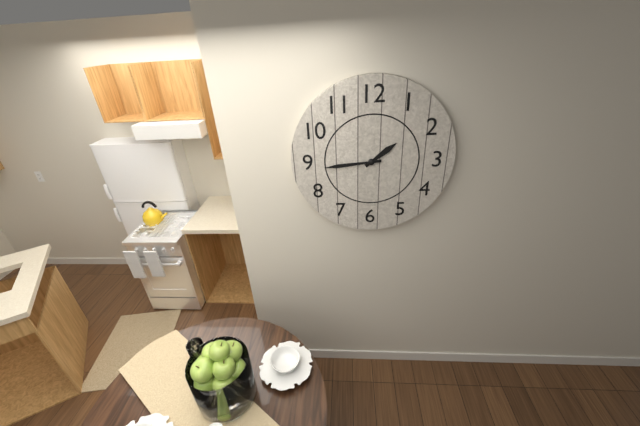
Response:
{"hour": 1, "minute": 44}
